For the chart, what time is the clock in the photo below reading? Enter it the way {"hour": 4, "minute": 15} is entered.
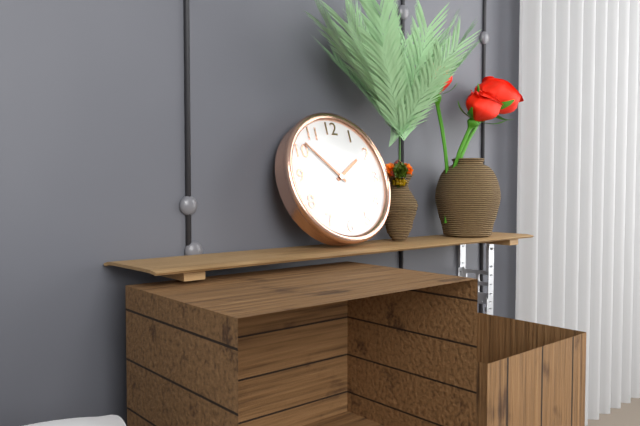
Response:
{"hour": 1, "minute": 52}
